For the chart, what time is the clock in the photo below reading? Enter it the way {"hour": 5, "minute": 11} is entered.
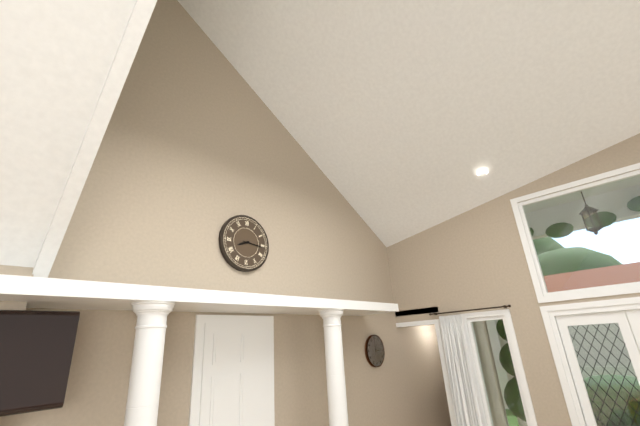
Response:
{"hour": 8, "minute": 16}
